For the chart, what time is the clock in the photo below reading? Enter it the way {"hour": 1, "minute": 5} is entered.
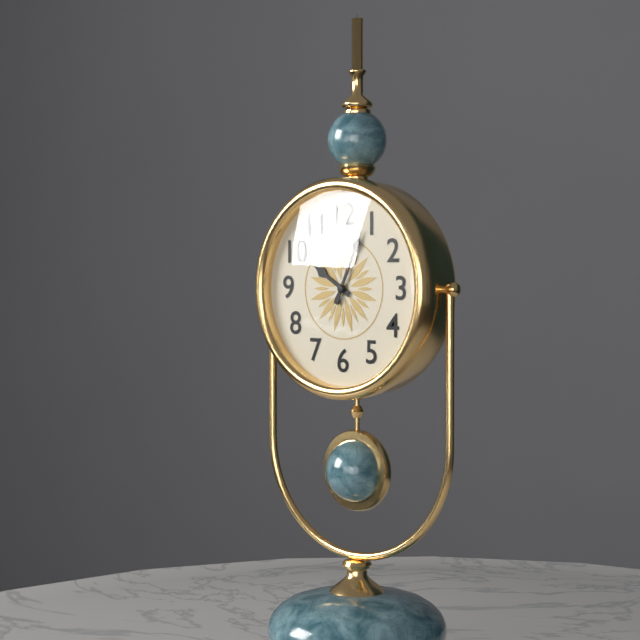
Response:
{"hour": 10, "minute": 4}
